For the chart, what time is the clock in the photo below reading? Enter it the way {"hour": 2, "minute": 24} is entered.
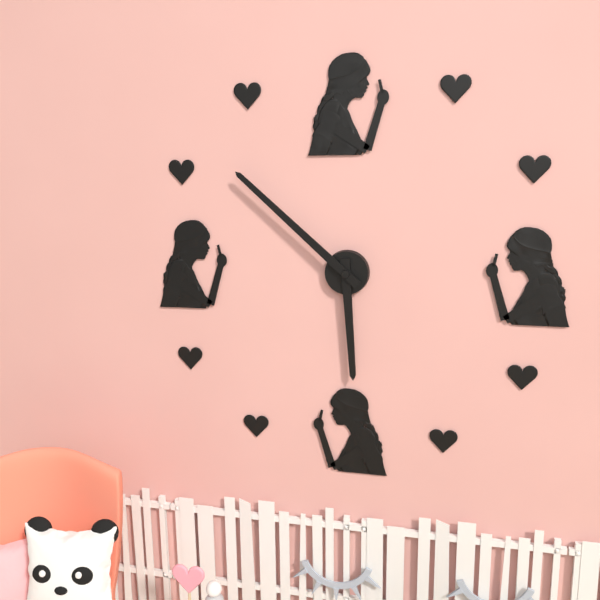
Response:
{"hour": 5, "minute": 52}
